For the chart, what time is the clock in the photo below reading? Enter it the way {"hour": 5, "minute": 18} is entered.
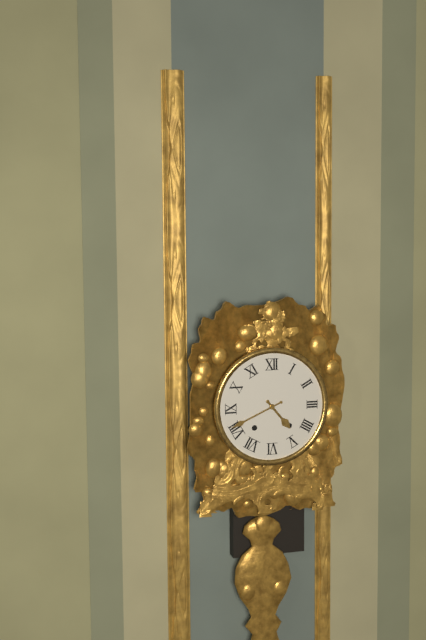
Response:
{"hour": 4, "minute": 41}
